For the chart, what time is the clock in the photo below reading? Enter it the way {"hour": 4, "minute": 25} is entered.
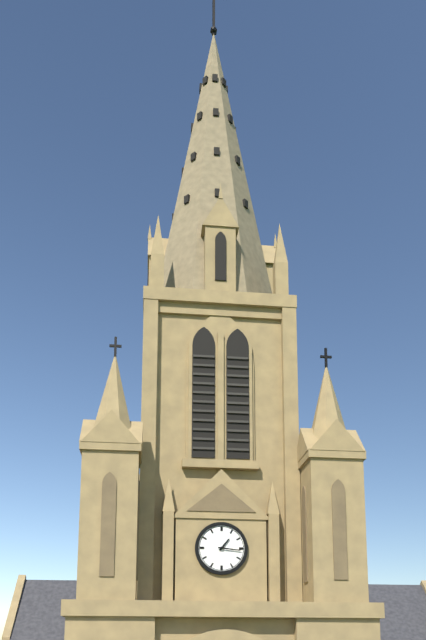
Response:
{"hour": 1, "minute": 16}
